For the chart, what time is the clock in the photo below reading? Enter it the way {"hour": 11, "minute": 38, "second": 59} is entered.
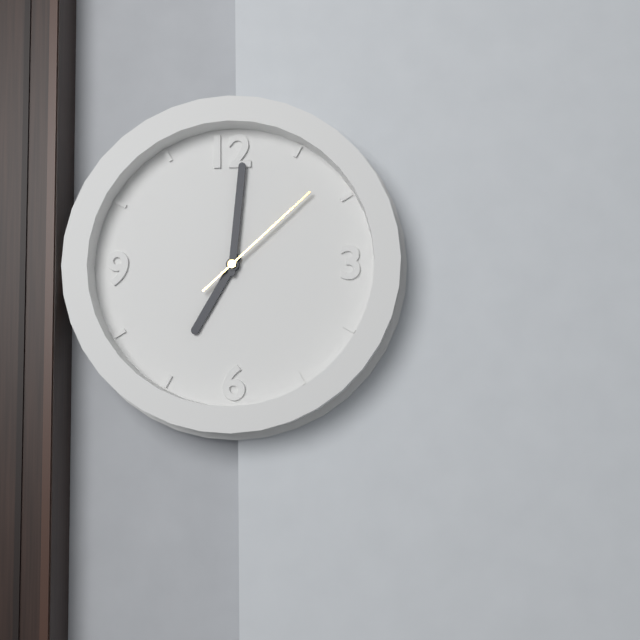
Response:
{"hour": 7, "minute": 1, "second": 8}
